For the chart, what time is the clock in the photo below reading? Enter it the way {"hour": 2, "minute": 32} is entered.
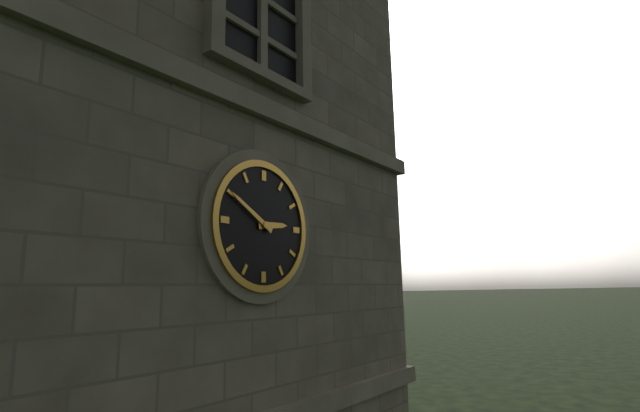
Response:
{"hour": 2, "minute": 50}
